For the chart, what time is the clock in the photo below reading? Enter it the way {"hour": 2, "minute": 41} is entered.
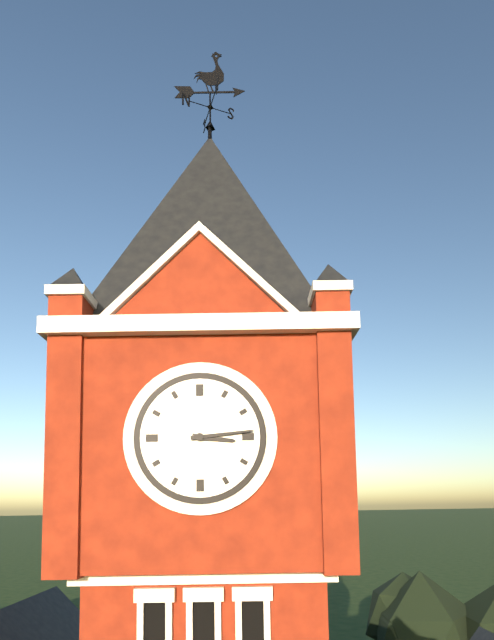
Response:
{"hour": 3, "minute": 14}
